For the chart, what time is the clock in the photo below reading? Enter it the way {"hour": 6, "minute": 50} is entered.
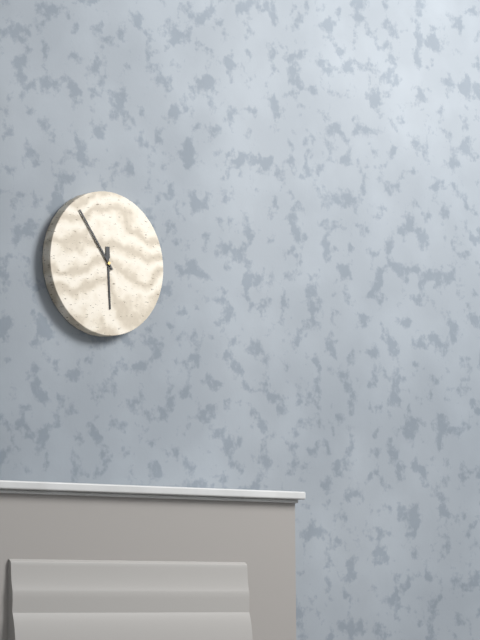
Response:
{"hour": 5, "minute": 54}
